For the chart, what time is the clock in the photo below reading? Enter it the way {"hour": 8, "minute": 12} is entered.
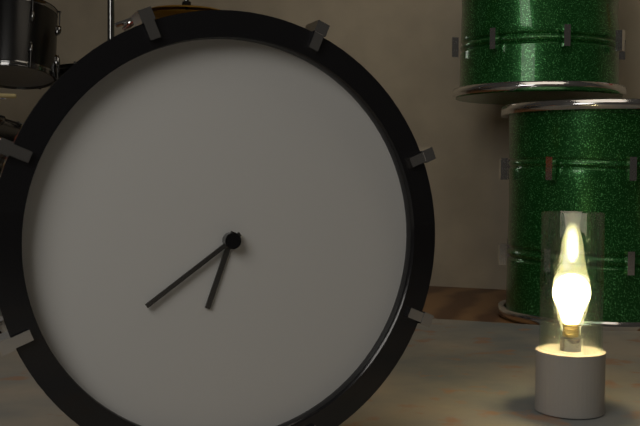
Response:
{"hour": 6, "minute": 39}
